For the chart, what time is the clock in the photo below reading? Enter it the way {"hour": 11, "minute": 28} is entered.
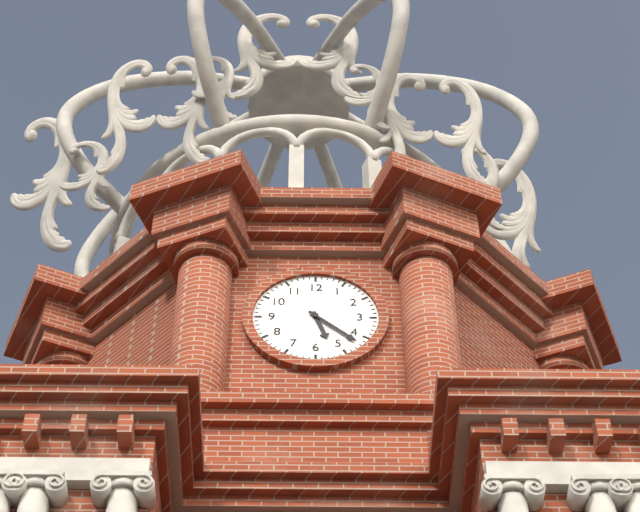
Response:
{"hour": 5, "minute": 22}
